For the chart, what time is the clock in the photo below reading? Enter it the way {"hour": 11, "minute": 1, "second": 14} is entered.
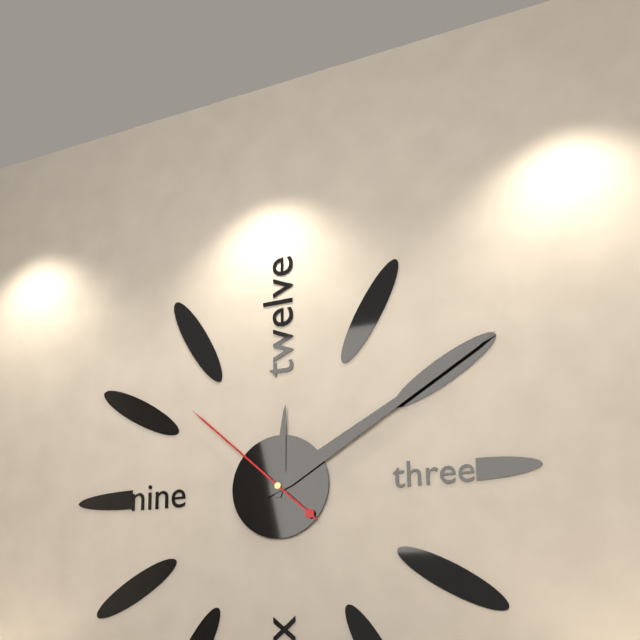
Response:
{"hour": 12, "minute": 10, "second": 52}
